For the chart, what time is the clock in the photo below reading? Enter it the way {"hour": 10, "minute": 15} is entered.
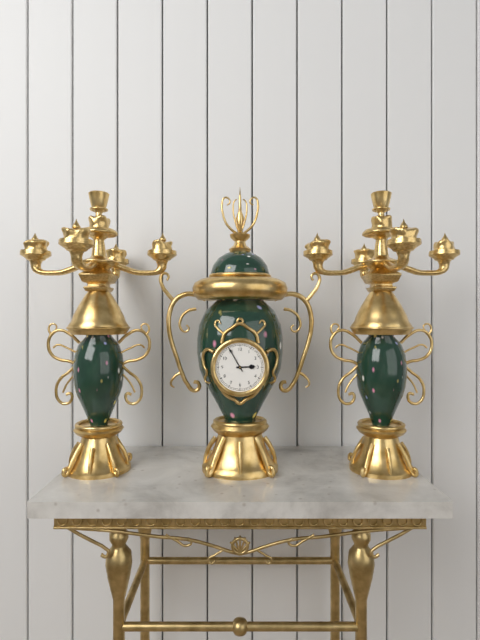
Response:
{"hour": 2, "minute": 55}
